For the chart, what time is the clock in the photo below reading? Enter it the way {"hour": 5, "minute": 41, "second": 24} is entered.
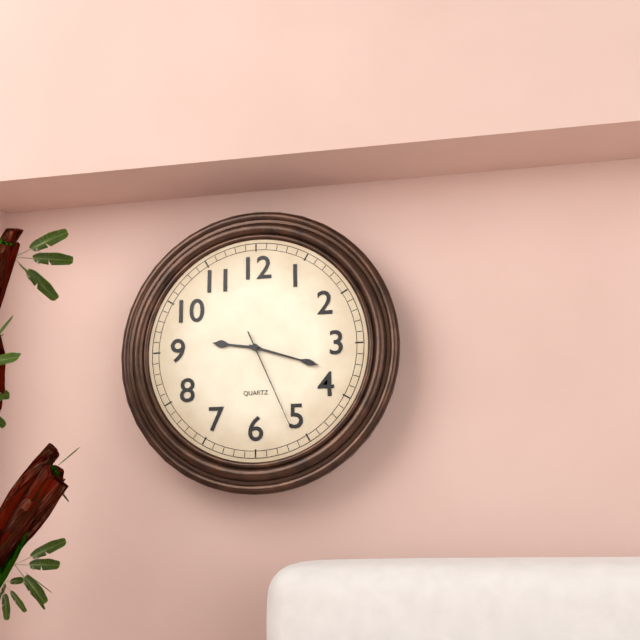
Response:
{"hour": 9, "minute": 18, "second": 26}
